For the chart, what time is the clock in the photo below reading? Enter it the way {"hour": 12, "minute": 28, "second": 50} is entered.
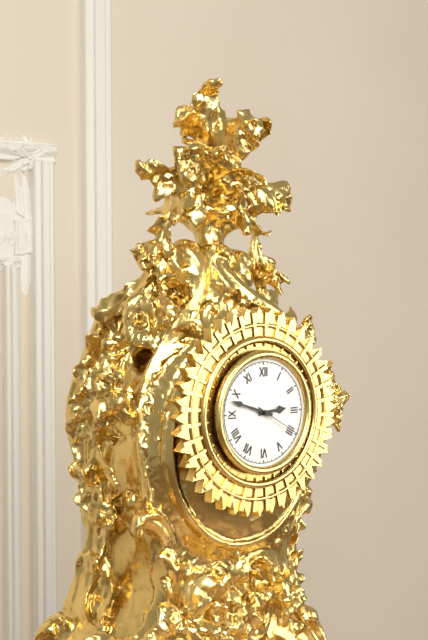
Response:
{"hour": 2, "minute": 48, "second": 20}
